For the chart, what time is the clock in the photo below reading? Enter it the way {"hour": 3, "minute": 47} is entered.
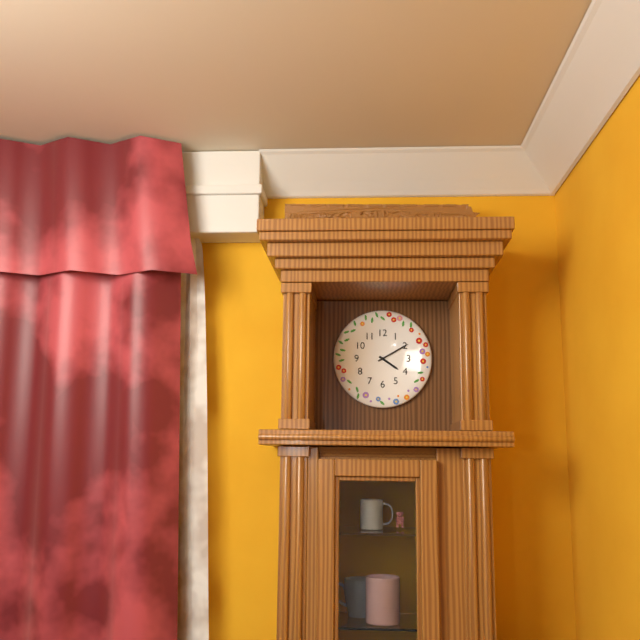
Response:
{"hour": 4, "minute": 10}
